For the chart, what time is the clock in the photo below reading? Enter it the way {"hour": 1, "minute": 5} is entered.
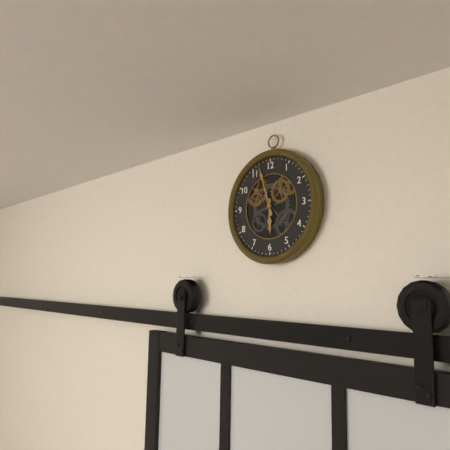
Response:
{"hour": 5, "minute": 57}
